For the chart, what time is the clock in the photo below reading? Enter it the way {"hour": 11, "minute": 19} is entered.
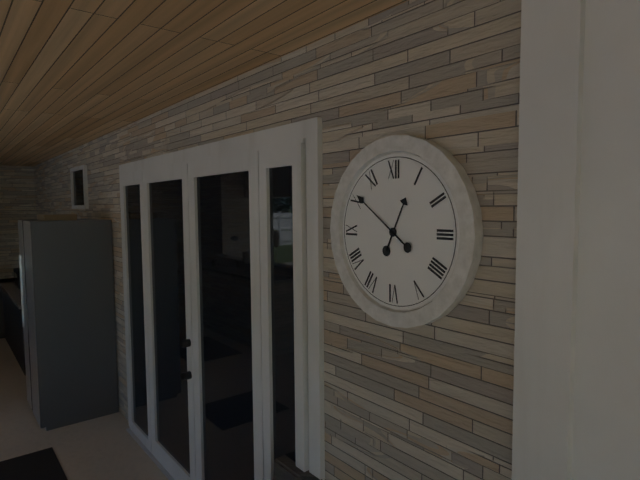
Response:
{"hour": 12, "minute": 51}
